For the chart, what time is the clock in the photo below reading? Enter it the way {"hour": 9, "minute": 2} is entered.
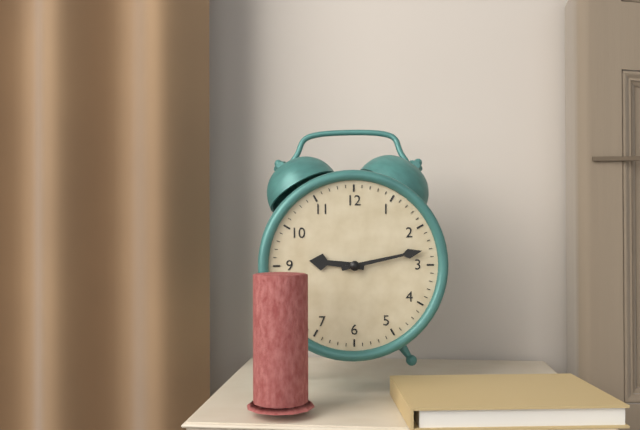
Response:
{"hour": 9, "minute": 13}
